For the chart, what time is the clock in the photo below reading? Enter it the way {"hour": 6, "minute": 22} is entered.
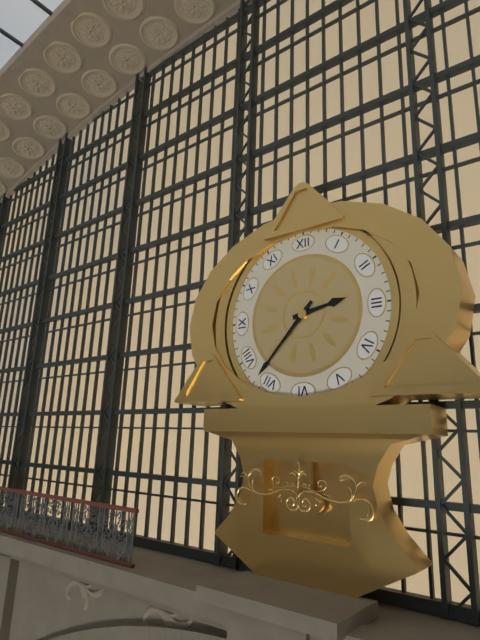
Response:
{"hour": 2, "minute": 37}
